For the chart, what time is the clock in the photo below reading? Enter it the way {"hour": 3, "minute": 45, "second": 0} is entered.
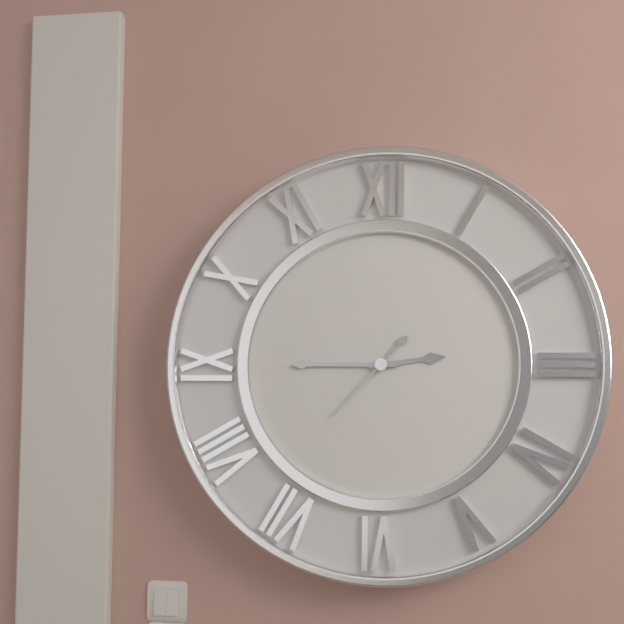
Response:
{"hour": 2, "minute": 45, "second": 37}
